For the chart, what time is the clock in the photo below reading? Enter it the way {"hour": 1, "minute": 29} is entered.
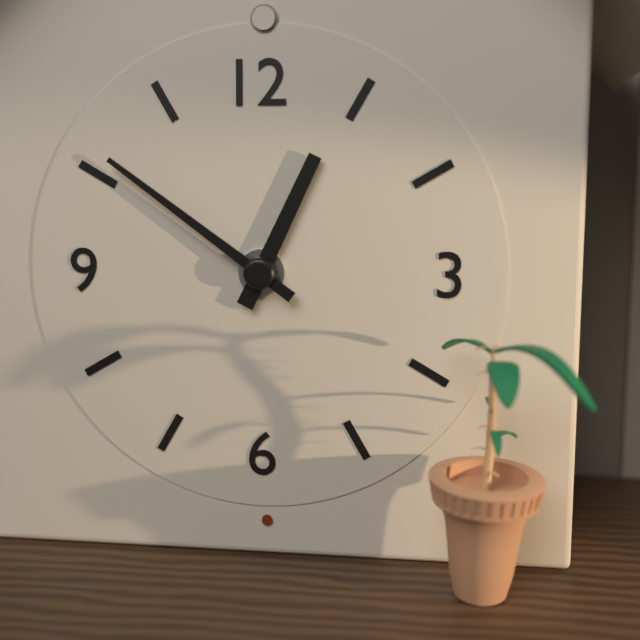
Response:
{"hour": 12, "minute": 51}
